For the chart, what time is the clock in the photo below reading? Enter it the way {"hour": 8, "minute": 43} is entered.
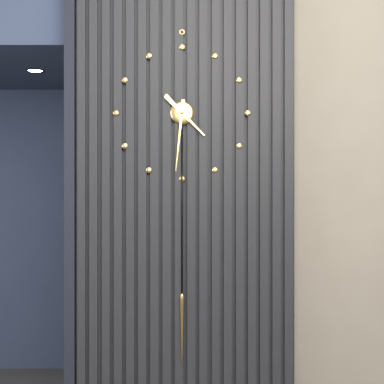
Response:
{"hour": 4, "minute": 31}
